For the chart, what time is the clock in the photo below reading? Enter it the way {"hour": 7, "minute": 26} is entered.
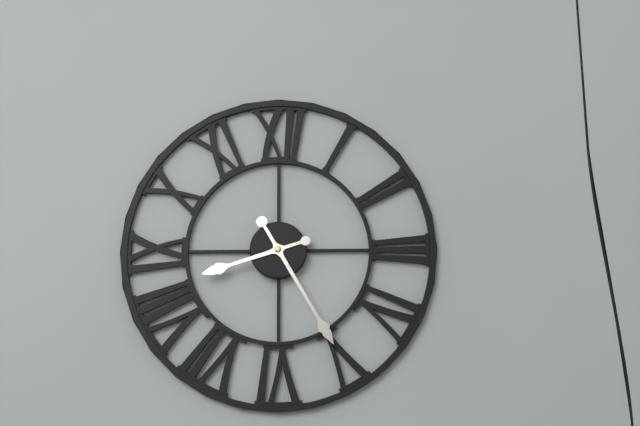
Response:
{"hour": 8, "minute": 25}
